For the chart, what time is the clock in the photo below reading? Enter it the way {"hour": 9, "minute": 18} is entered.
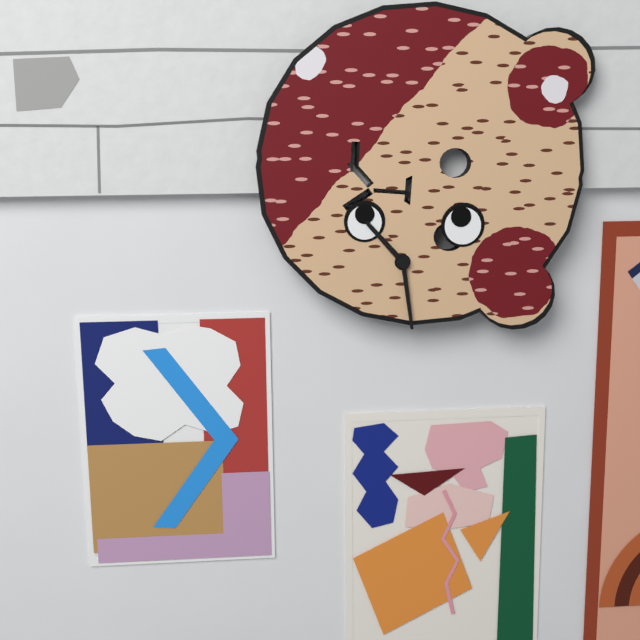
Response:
{"hour": 10, "minute": 28}
